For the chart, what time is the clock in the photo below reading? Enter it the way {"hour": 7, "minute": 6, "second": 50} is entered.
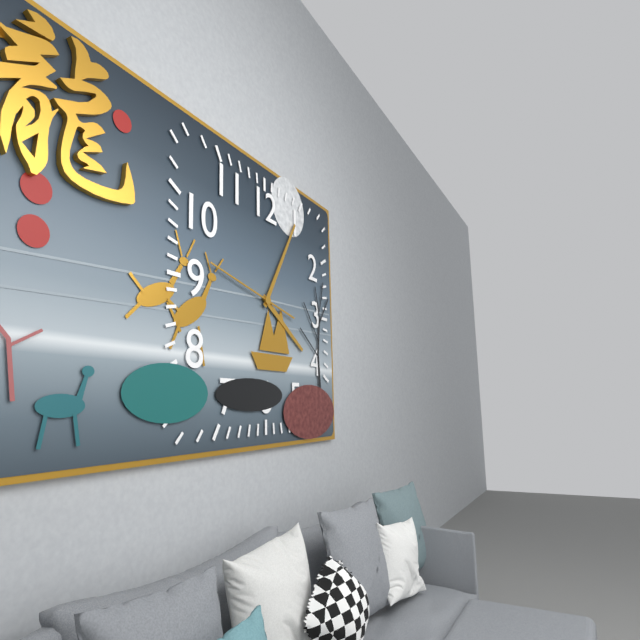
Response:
{"hour": 4, "minute": 5, "second": 47}
